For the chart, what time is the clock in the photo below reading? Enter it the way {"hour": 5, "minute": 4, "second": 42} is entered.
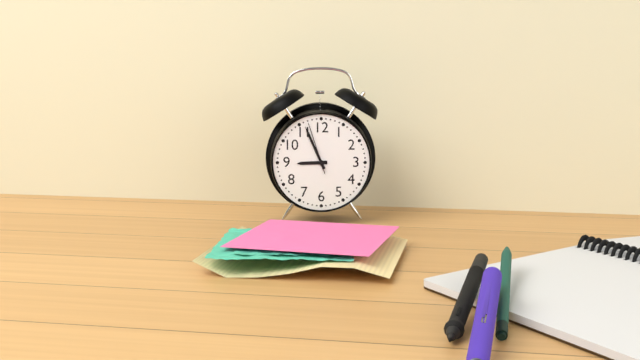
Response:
{"hour": 8, "minute": 56, "second": 57}
